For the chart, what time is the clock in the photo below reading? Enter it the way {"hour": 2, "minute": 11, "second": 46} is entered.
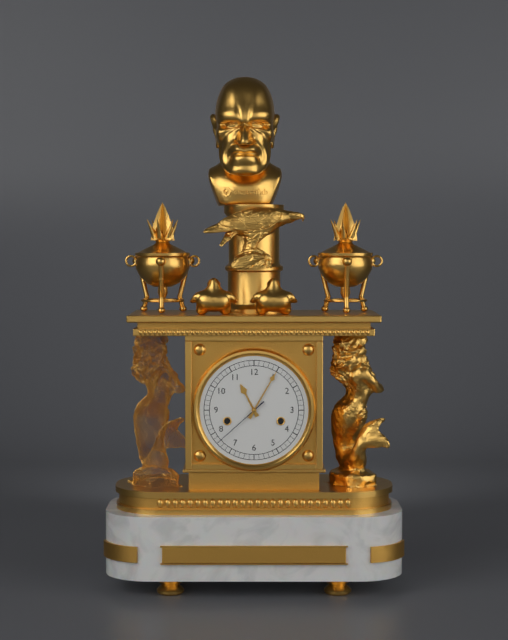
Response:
{"hour": 11, "minute": 5, "second": 38}
